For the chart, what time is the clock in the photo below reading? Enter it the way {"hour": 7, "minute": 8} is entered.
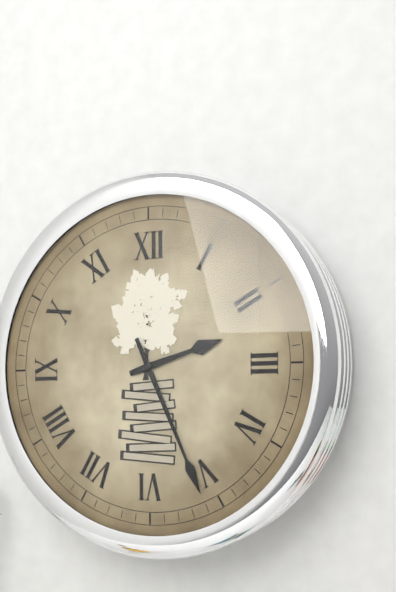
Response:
{"hour": 2, "minute": 26}
